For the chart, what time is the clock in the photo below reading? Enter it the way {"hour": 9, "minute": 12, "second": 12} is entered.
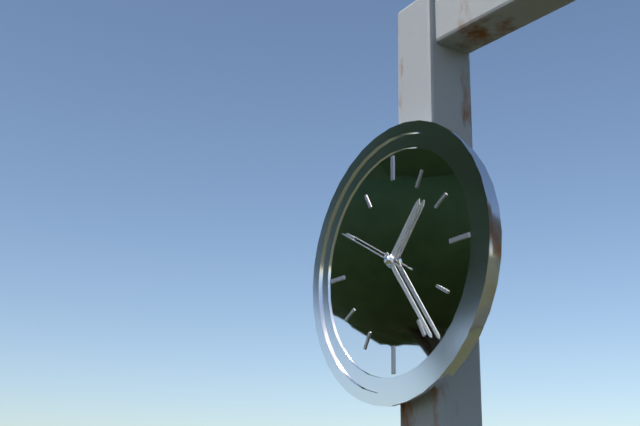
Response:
{"hour": 1, "minute": 24, "second": 50}
